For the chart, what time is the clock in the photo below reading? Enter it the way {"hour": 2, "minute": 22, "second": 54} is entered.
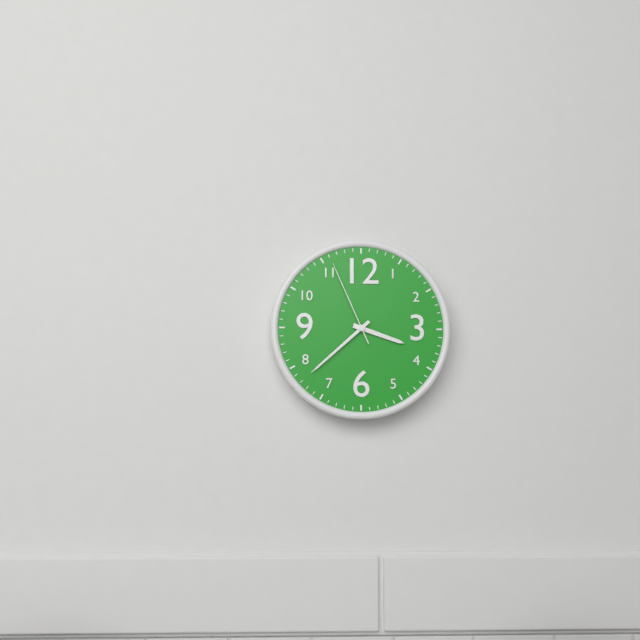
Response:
{"hour": 3, "minute": 38, "second": 56}
